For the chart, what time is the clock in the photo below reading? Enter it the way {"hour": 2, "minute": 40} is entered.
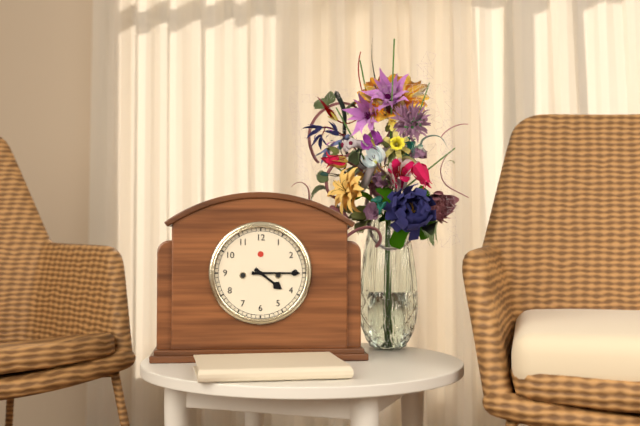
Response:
{"hour": 4, "minute": 15}
